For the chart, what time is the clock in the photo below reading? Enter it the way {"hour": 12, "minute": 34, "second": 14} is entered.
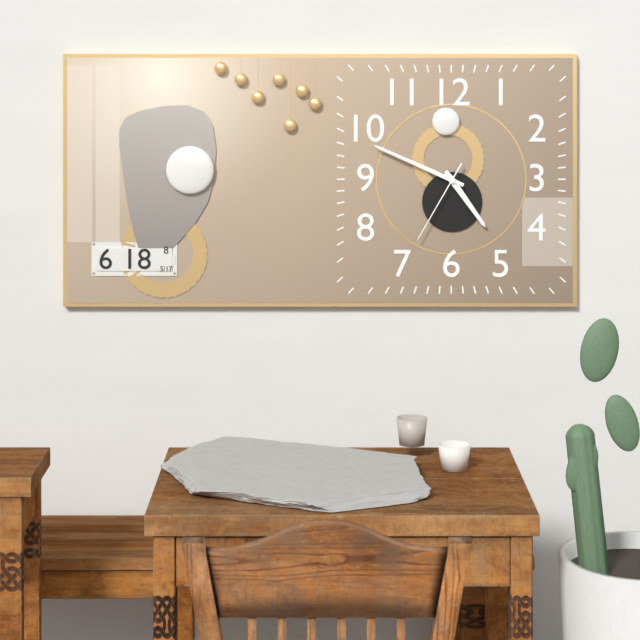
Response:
{"hour": 4, "minute": 49, "second": 35}
